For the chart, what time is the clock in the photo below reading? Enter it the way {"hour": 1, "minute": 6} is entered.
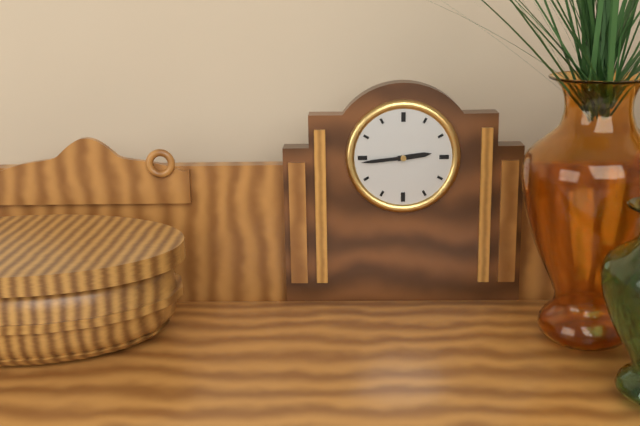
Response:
{"hour": 2, "minute": 44}
